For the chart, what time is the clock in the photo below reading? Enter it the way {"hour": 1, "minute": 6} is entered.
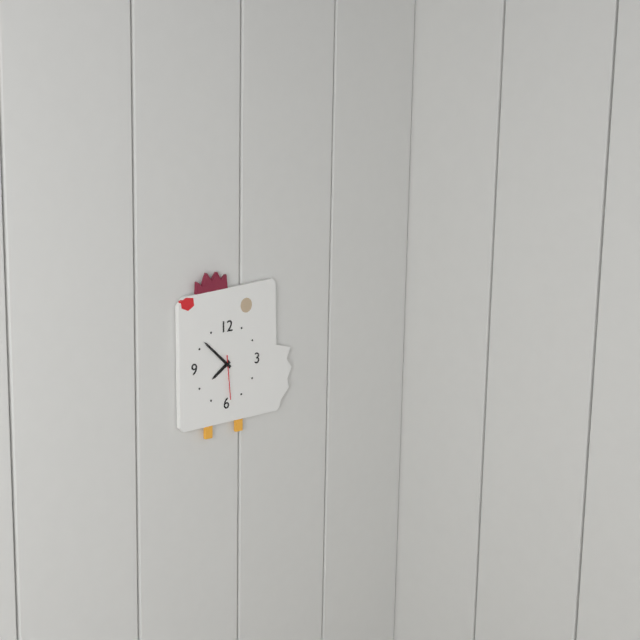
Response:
{"hour": 7, "minute": 52}
